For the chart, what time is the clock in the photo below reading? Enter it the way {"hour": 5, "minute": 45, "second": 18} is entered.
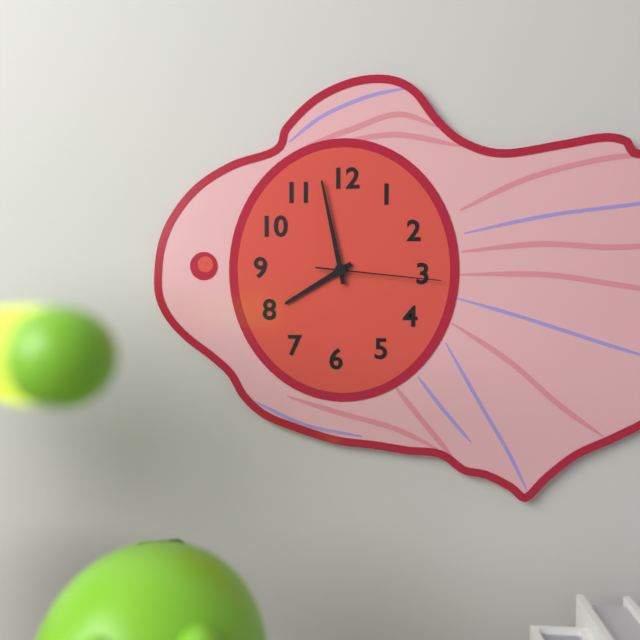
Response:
{"hour": 7, "minute": 58, "second": 16}
